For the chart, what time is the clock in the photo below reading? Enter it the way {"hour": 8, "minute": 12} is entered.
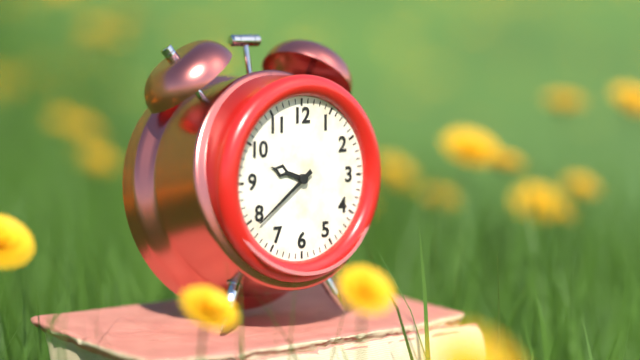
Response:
{"hour": 9, "minute": 39}
